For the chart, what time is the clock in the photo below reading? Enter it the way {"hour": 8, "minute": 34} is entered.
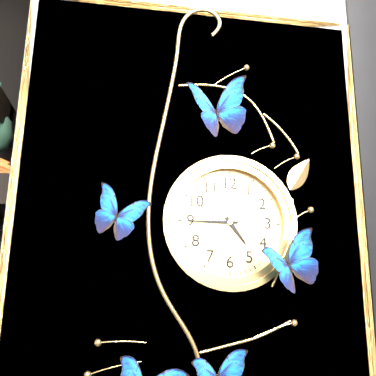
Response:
{"hour": 4, "minute": 45}
